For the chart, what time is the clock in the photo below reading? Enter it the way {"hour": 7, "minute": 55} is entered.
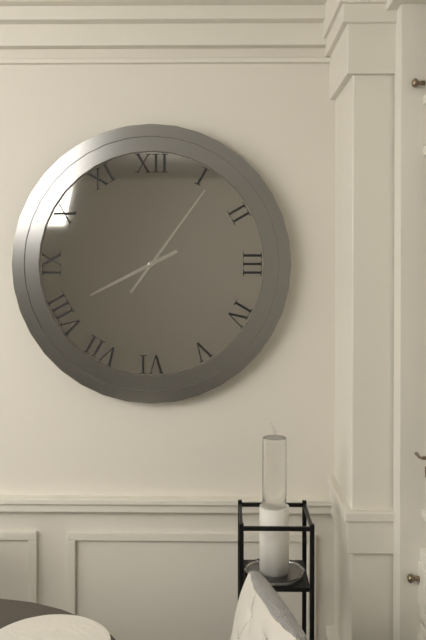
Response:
{"hour": 8, "minute": 6}
